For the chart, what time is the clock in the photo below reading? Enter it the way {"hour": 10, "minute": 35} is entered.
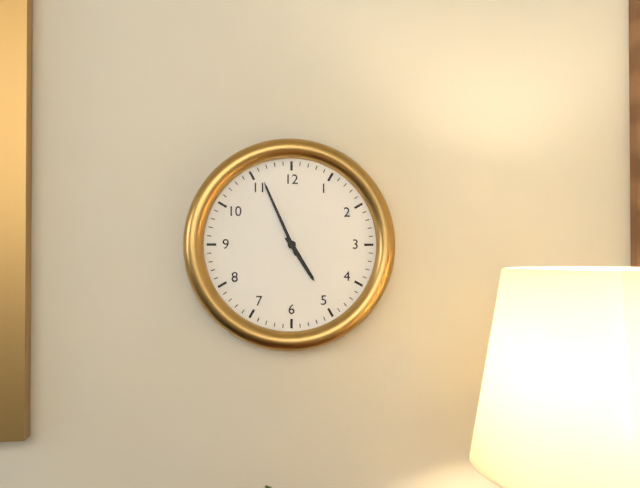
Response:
{"hour": 4, "minute": 56}
